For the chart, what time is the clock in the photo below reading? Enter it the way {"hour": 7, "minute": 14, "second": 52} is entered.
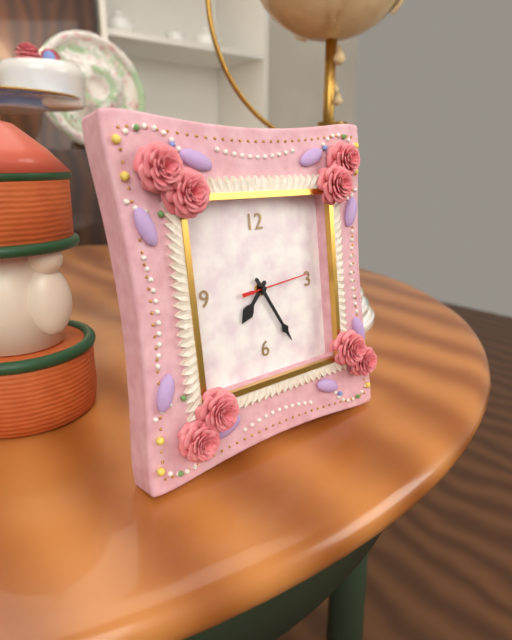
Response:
{"hour": 7, "minute": 25, "second": 14}
